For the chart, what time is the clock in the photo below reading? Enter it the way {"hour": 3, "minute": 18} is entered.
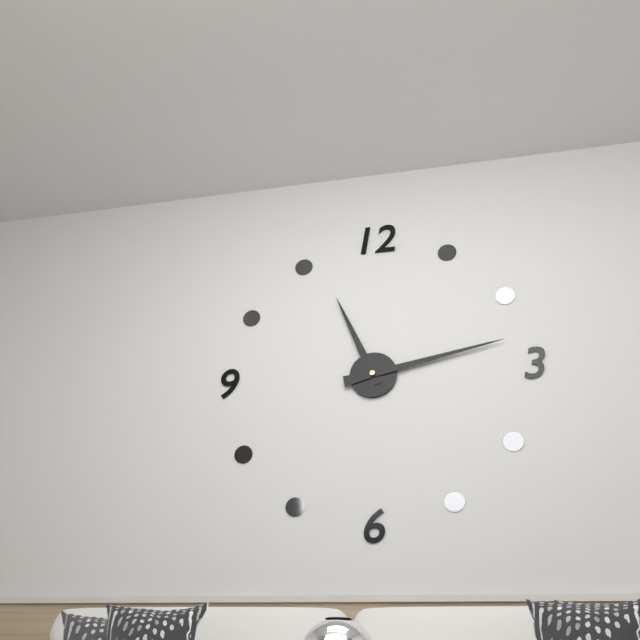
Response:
{"hour": 11, "minute": 13}
